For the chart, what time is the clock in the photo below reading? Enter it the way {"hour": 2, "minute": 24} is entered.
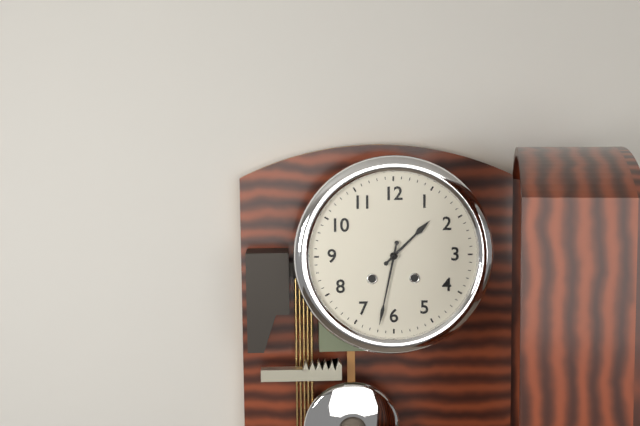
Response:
{"hour": 1, "minute": 32}
